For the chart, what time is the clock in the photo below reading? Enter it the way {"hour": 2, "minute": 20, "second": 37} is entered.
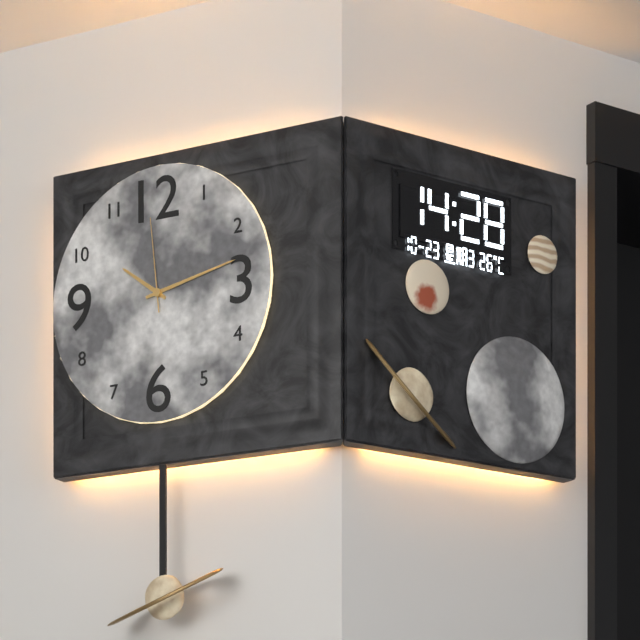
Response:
{"hour": 10, "minute": 13, "second": 59}
